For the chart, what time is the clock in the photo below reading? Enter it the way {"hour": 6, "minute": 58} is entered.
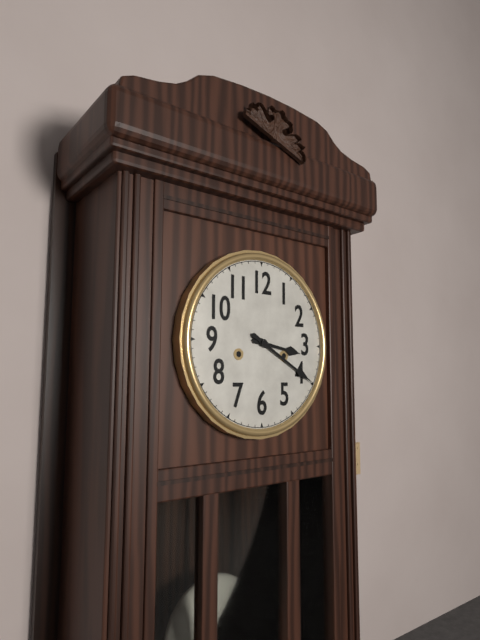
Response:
{"hour": 3, "minute": 20}
